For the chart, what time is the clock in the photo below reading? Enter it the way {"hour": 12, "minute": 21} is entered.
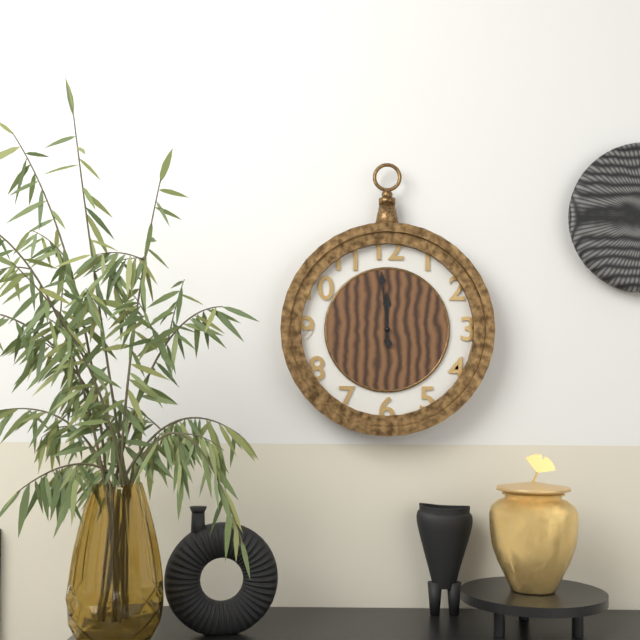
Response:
{"hour": 11, "minute": 59}
